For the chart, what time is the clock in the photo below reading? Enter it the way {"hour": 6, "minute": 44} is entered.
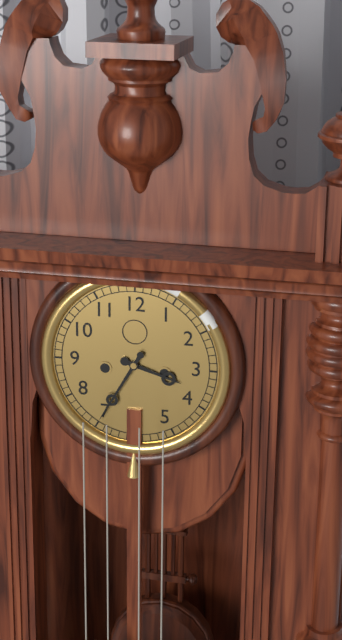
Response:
{"hour": 3, "minute": 35}
